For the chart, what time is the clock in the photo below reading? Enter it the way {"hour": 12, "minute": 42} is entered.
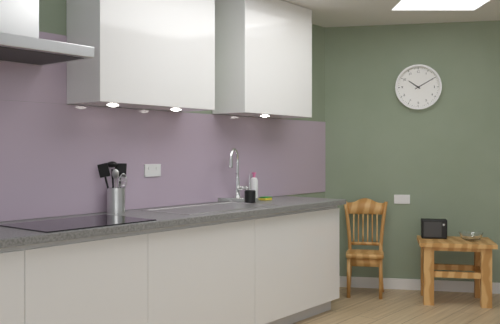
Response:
{"hour": 10, "minute": 10}
